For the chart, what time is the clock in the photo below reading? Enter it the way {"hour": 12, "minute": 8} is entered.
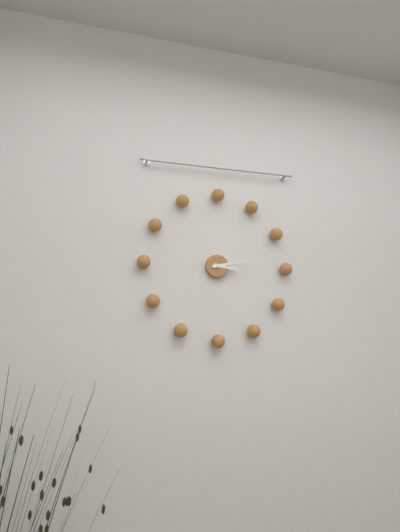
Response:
{"hour": 3, "minute": 13}
